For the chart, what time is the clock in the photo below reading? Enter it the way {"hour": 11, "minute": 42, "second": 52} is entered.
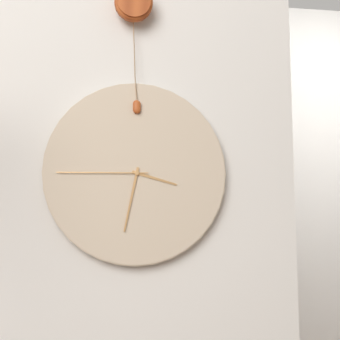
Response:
{"hour": 3, "minute": 32, "second": 45}
